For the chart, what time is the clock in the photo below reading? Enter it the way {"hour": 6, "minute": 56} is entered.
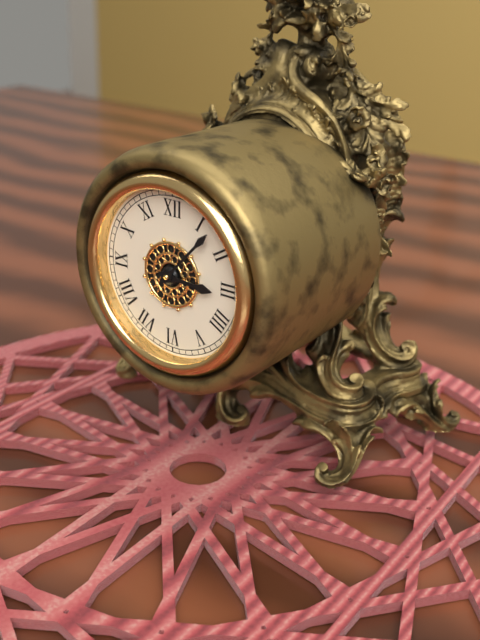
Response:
{"hour": 3, "minute": 7}
